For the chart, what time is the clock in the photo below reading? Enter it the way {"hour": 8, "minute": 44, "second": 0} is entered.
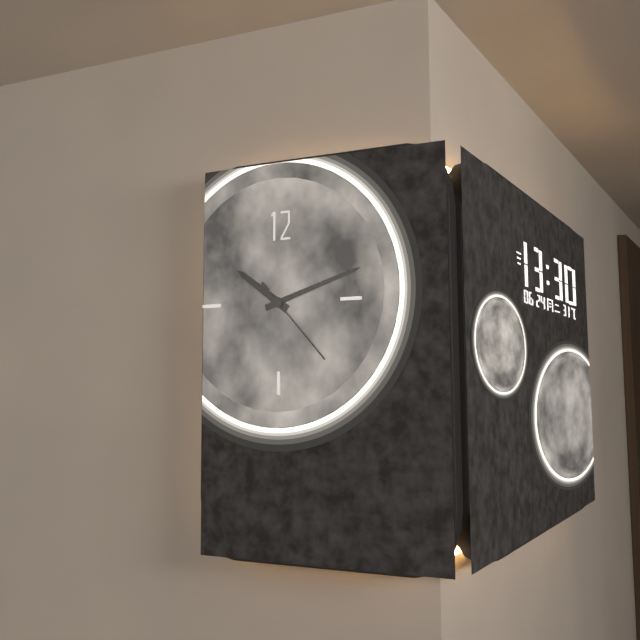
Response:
{"hour": 10, "minute": 12, "second": 23}
